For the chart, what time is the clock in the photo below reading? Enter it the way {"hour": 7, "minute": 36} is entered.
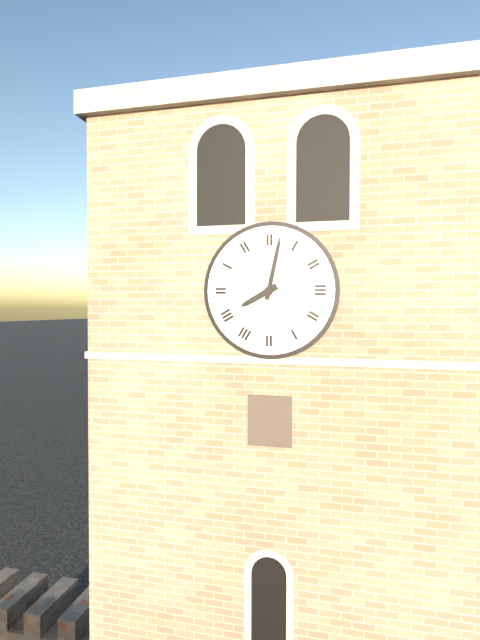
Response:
{"hour": 8, "minute": 2}
